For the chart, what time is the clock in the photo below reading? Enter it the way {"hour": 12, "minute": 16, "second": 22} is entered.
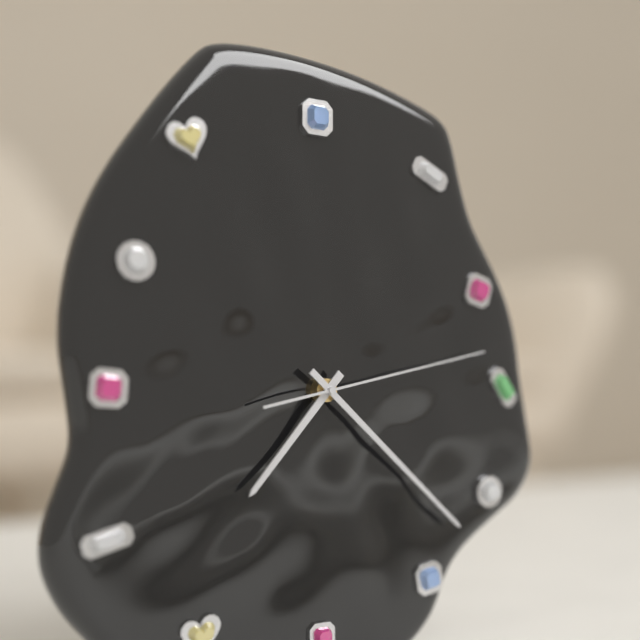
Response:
{"hour": 7, "minute": 22, "second": 13}
